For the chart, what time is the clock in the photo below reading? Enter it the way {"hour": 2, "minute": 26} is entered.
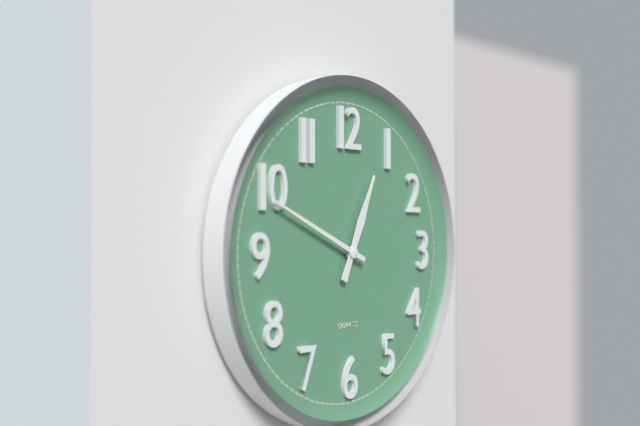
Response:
{"hour": 12, "minute": 49}
